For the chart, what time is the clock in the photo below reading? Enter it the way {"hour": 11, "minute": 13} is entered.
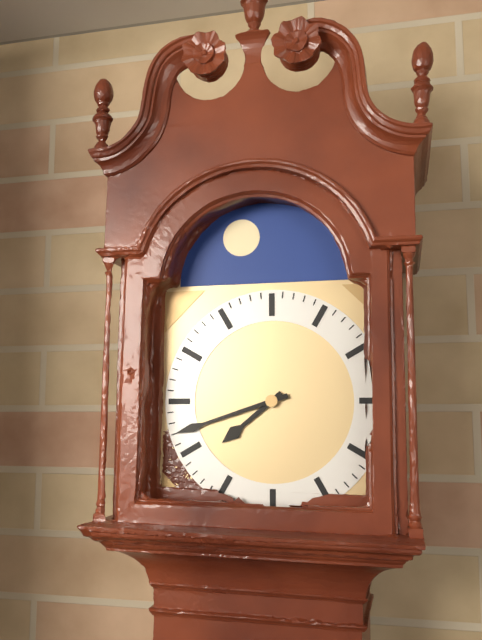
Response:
{"hour": 7, "minute": 42}
